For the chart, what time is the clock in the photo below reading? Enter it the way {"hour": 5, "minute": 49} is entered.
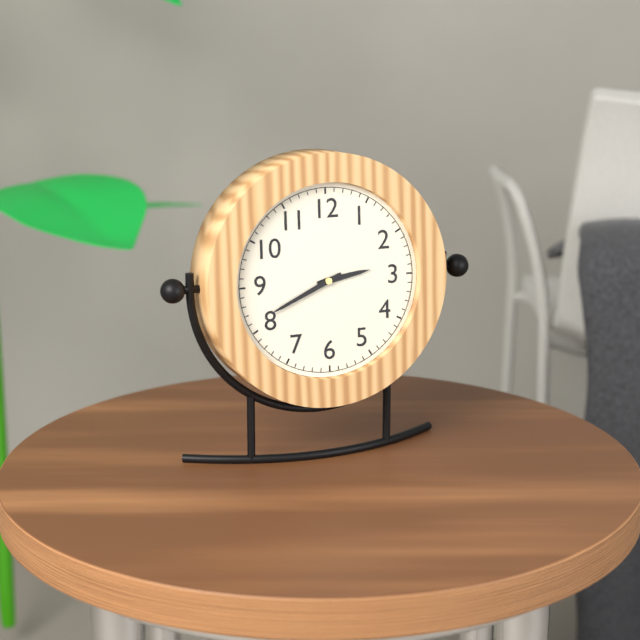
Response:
{"hour": 2, "minute": 41}
